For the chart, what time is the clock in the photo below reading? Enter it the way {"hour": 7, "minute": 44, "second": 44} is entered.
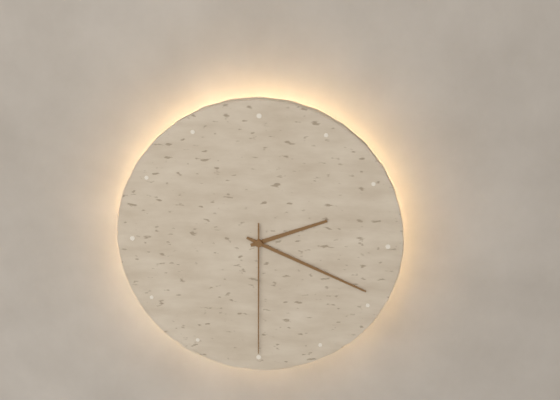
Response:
{"hour": 2, "minute": 19, "second": 30}
